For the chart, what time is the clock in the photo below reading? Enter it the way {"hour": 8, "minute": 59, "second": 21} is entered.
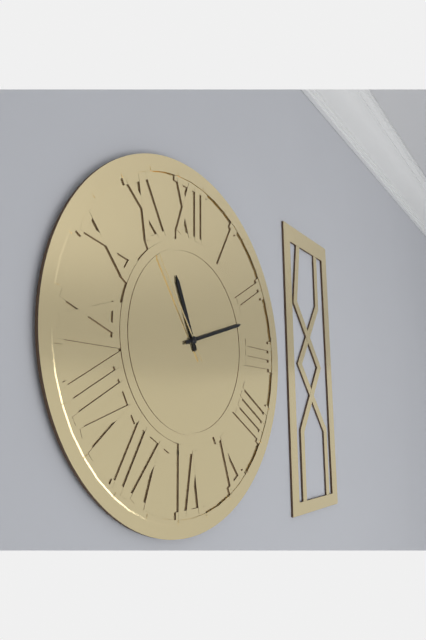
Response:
{"hour": 11, "minute": 12, "second": 54}
